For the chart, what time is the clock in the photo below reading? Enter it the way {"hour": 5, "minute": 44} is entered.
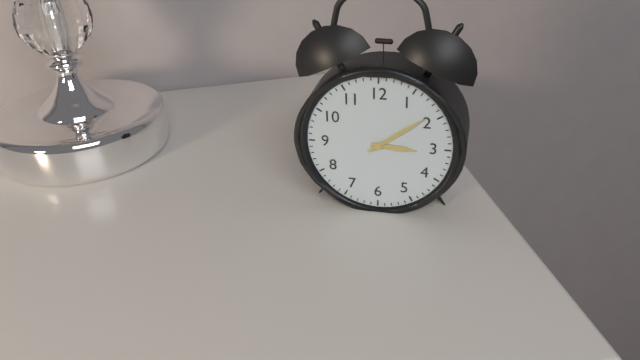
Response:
{"hour": 3, "minute": 9}
